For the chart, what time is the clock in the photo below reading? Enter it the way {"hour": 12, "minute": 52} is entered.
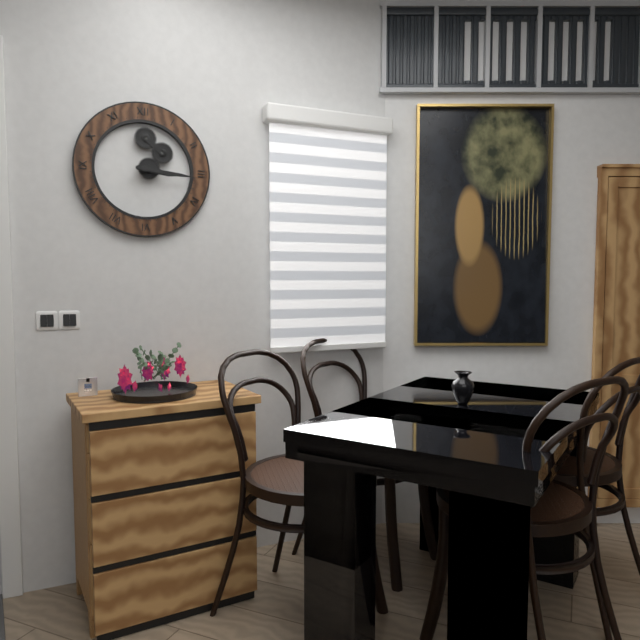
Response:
{"hour": 3, "minute": 16}
